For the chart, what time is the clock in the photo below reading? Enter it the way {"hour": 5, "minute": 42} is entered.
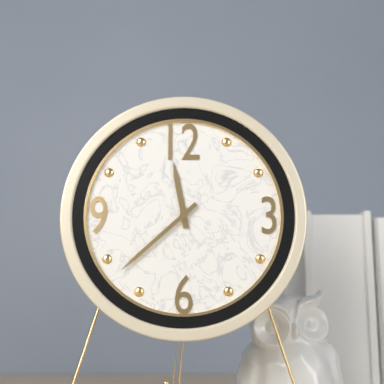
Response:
{"hour": 11, "minute": 38}
